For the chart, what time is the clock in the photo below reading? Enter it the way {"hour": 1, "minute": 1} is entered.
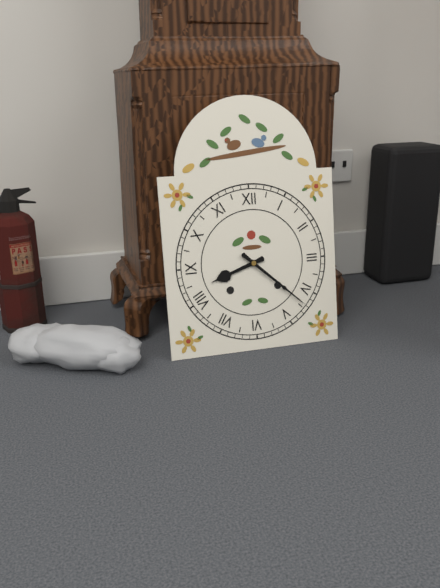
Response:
{"hour": 8, "minute": 22}
